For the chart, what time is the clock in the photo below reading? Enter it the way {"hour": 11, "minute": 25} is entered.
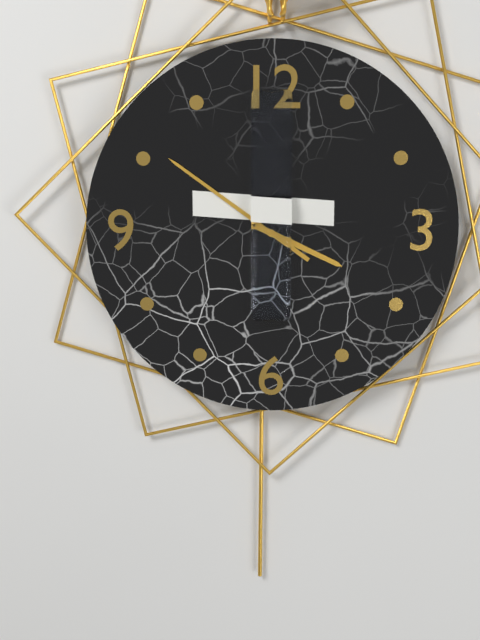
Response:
{"hour": 3, "minute": 51}
